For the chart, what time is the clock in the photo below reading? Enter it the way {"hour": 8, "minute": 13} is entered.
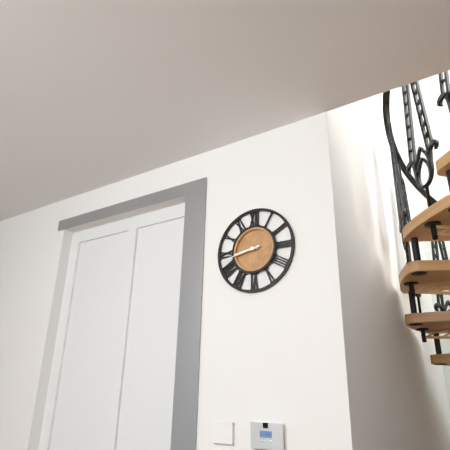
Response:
{"hour": 8, "minute": 43}
